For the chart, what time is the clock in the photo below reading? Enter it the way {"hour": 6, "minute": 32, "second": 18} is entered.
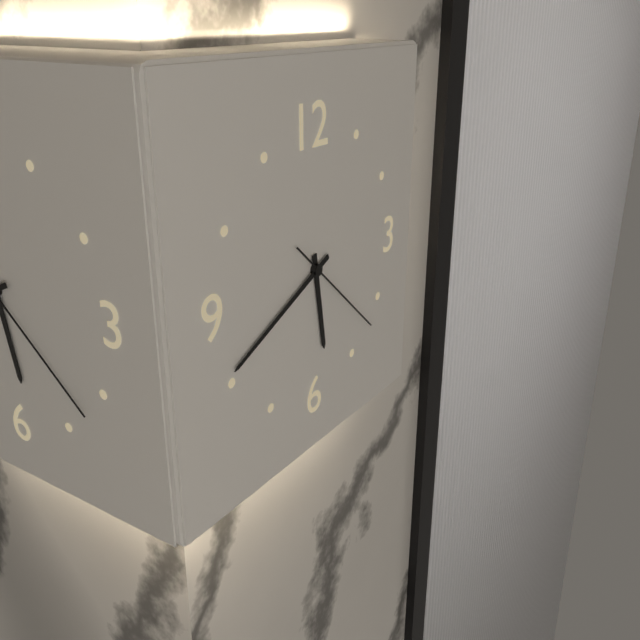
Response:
{"hour": 5, "minute": 41, "second": 22}
